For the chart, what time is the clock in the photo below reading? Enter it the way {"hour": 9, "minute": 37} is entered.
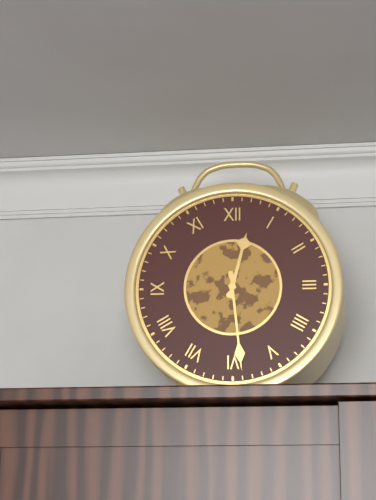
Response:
{"hour": 12, "minute": 29}
